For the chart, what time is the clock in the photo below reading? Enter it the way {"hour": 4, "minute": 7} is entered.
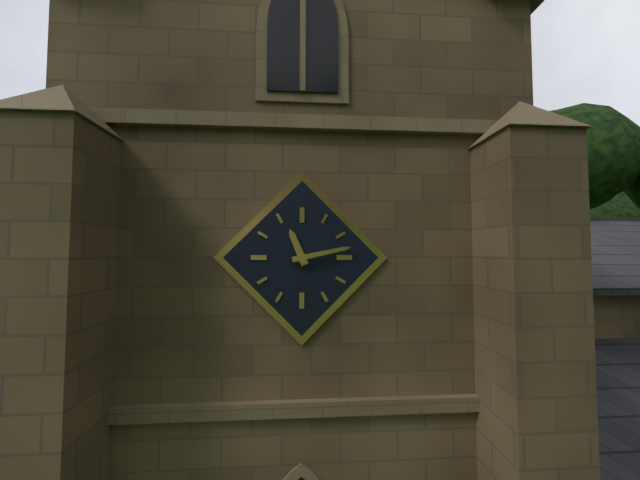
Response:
{"hour": 11, "minute": 13}
